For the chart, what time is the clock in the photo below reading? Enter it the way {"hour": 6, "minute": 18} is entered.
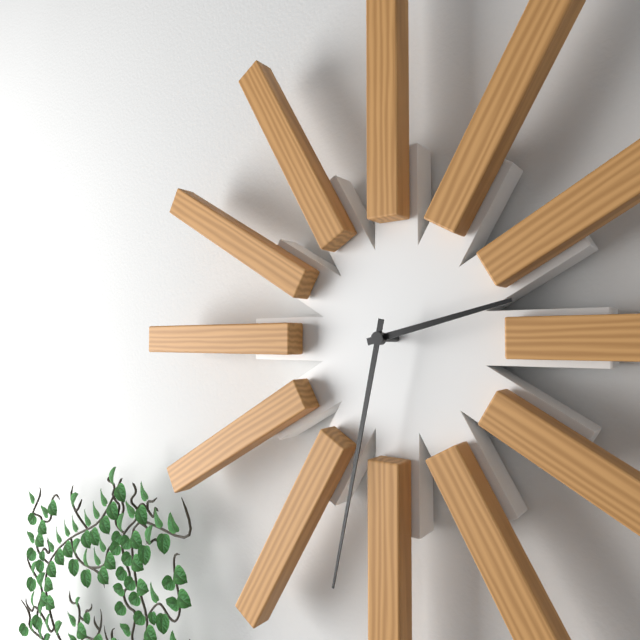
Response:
{"hour": 2, "minute": 32}
